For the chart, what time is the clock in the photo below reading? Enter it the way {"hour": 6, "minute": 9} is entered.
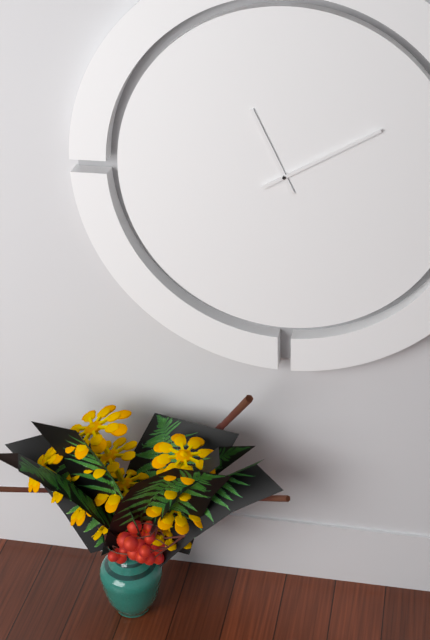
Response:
{"hour": 11, "minute": 10}
